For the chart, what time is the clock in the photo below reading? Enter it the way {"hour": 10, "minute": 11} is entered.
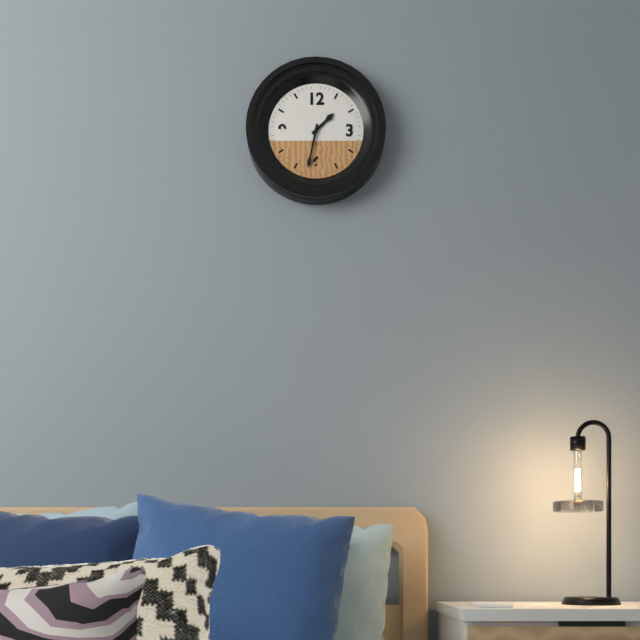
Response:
{"hour": 1, "minute": 32}
